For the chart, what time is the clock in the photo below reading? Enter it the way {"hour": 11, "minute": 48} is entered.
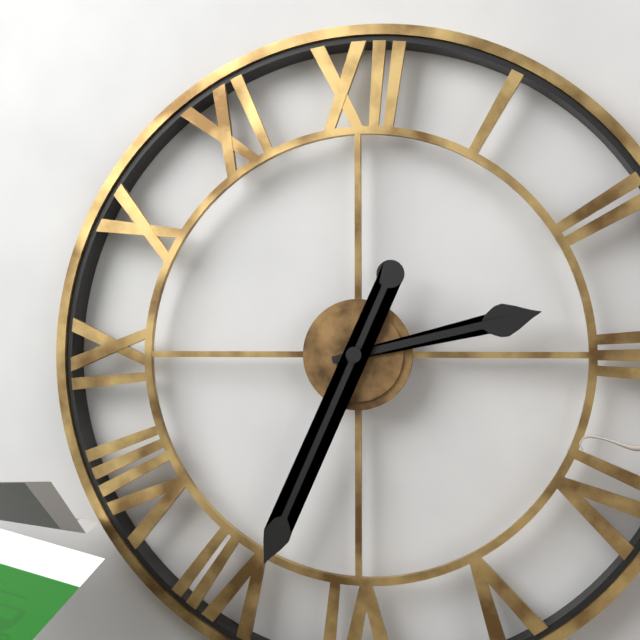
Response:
{"hour": 2, "minute": 34}
